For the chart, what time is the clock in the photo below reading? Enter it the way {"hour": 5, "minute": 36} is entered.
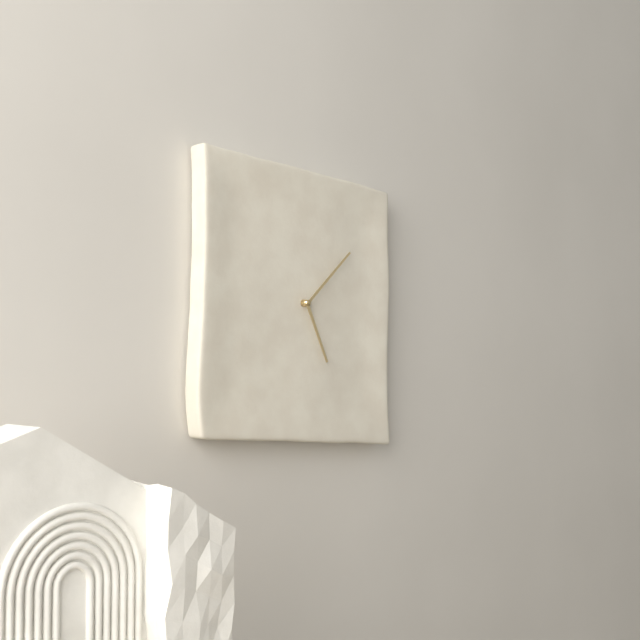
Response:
{"hour": 5, "minute": 8}
